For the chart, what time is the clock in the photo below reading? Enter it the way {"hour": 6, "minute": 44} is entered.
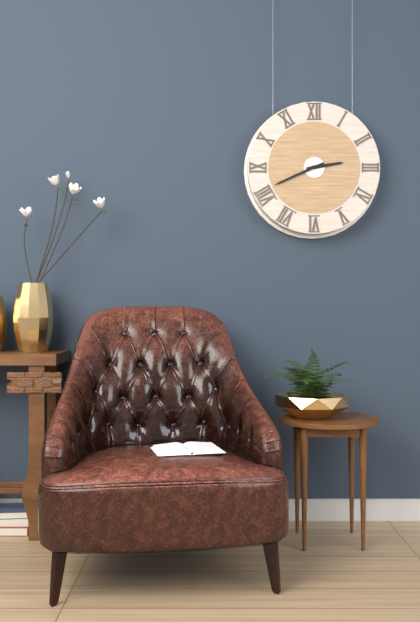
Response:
{"hour": 2, "minute": 41}
